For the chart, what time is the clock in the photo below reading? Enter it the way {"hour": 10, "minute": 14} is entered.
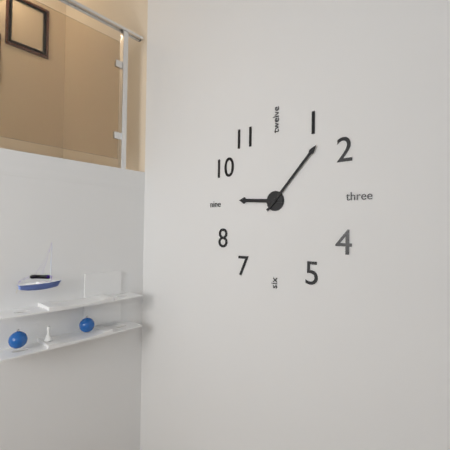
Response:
{"hour": 9, "minute": 7}
